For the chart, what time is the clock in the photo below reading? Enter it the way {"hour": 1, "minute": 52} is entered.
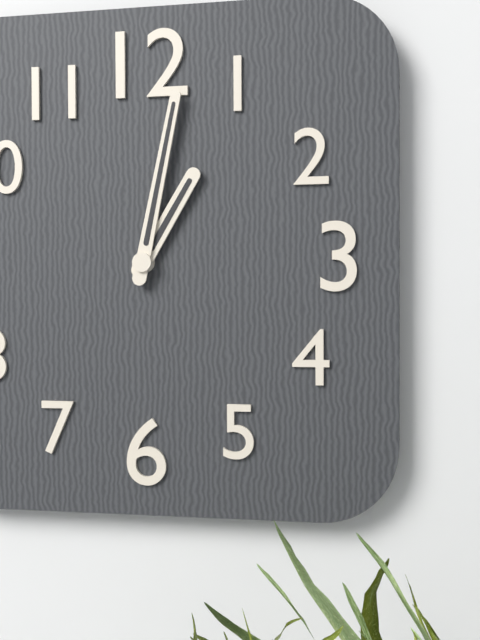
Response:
{"hour": 1, "minute": 2}
